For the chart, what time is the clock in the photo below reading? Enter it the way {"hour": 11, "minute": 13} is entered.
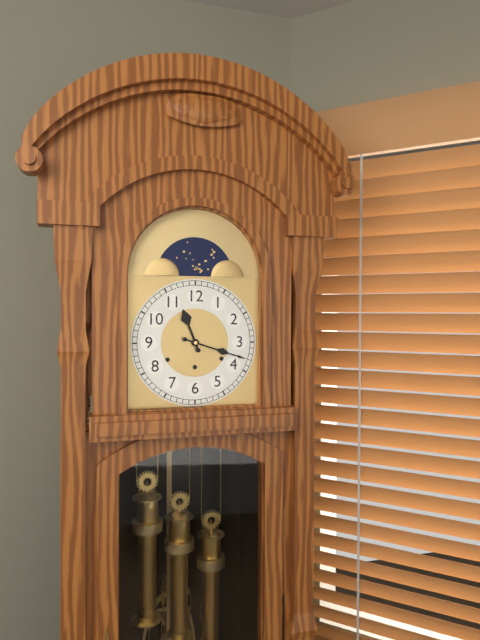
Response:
{"hour": 11, "minute": 18}
